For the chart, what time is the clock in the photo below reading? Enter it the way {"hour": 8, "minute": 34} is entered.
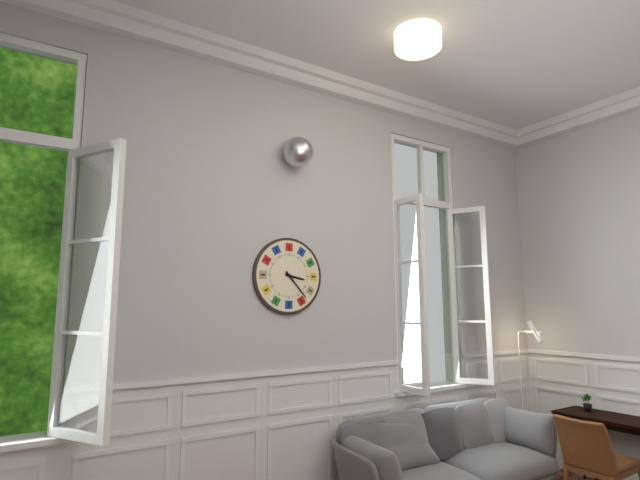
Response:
{"hour": 3, "minute": 23}
